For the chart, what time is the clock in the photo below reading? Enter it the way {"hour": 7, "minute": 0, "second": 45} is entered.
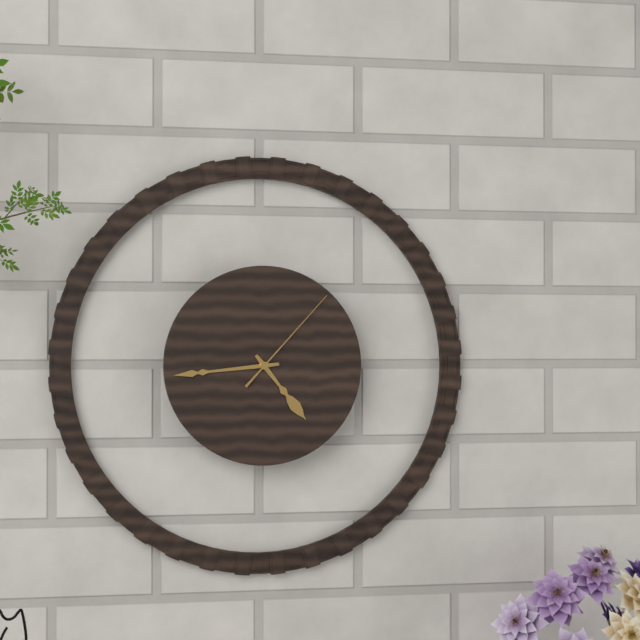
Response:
{"hour": 4, "minute": 44, "second": 7}
